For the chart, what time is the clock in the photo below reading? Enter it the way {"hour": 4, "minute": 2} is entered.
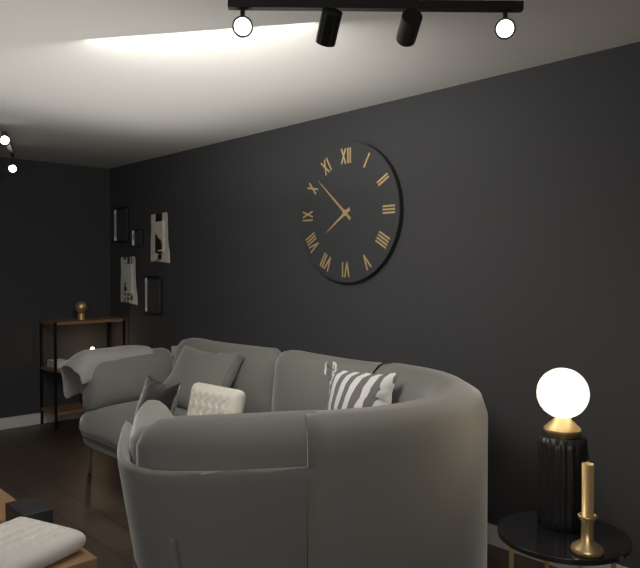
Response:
{"hour": 7, "minute": 52}
